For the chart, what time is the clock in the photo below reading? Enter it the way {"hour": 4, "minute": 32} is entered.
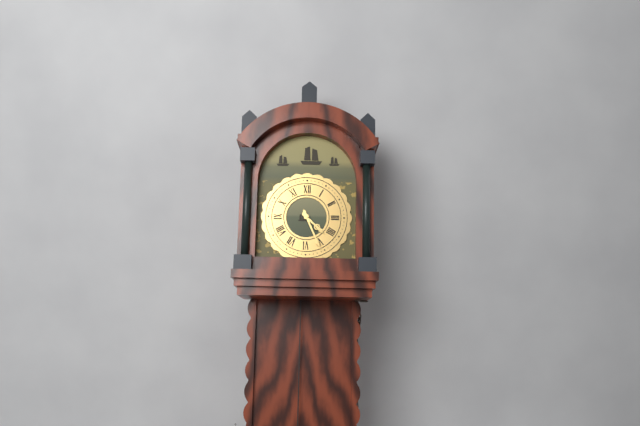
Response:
{"hour": 4, "minute": 26}
